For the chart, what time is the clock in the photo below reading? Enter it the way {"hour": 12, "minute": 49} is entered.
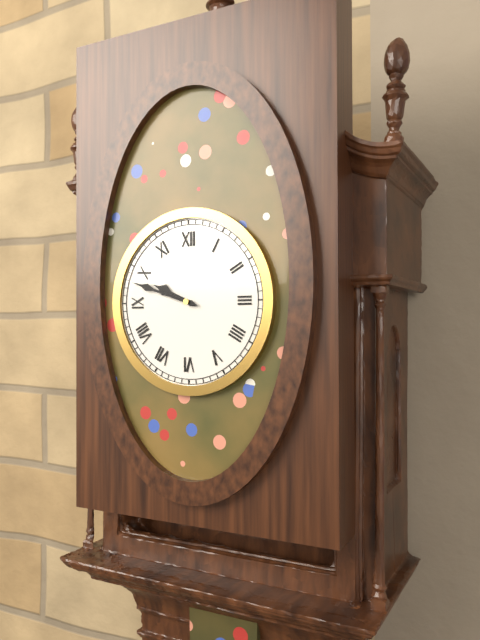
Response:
{"hour": 9, "minute": 48}
